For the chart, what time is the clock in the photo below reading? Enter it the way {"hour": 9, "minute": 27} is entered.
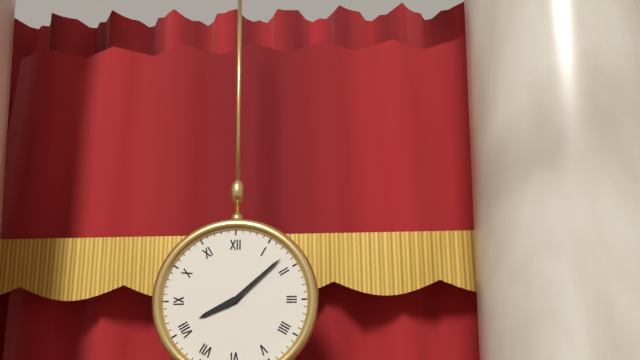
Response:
{"hour": 8, "minute": 8}
